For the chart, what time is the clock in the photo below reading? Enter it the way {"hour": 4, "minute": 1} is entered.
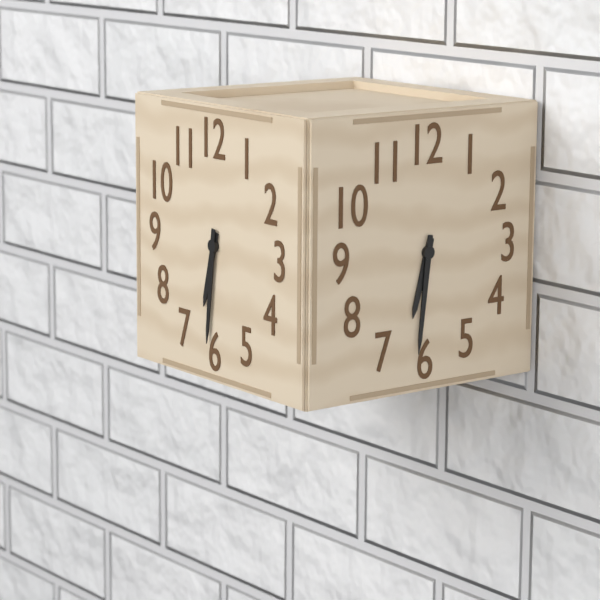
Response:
{"hour": 6, "minute": 31}
